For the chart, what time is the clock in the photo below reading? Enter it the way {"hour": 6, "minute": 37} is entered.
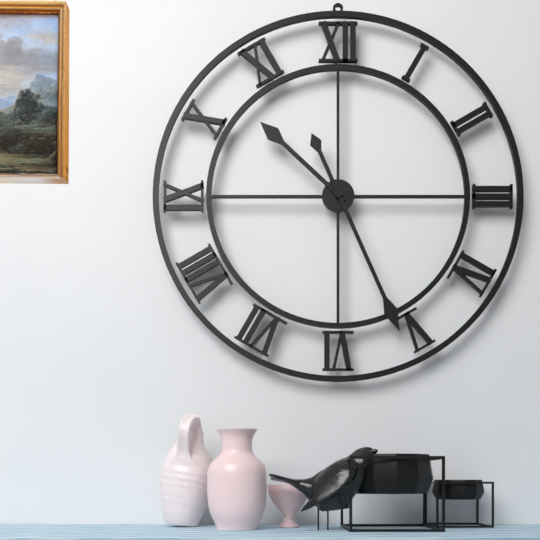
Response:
{"hour": 10, "minute": 26}
